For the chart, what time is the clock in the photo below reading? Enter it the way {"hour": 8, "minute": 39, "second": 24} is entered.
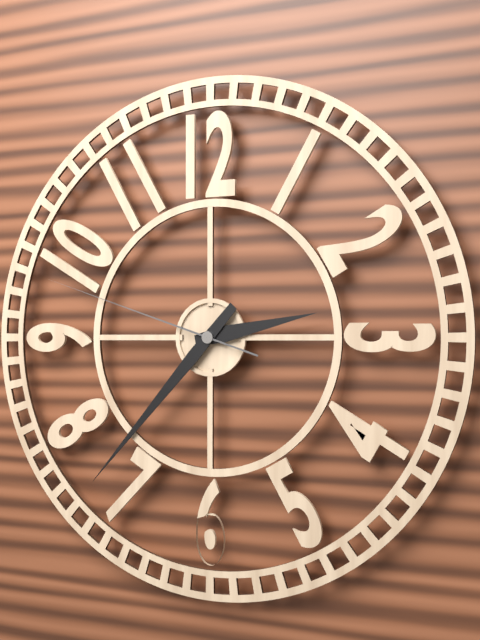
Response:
{"hour": 2, "minute": 37, "second": 48}
